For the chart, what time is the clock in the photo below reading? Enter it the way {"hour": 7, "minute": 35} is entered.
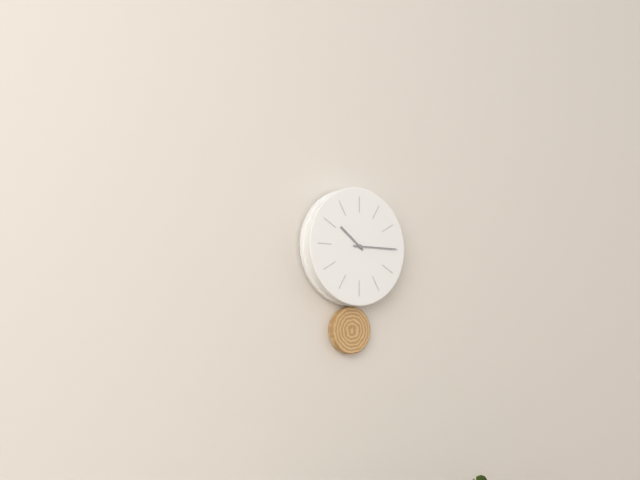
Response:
{"hour": 10, "minute": 15}
